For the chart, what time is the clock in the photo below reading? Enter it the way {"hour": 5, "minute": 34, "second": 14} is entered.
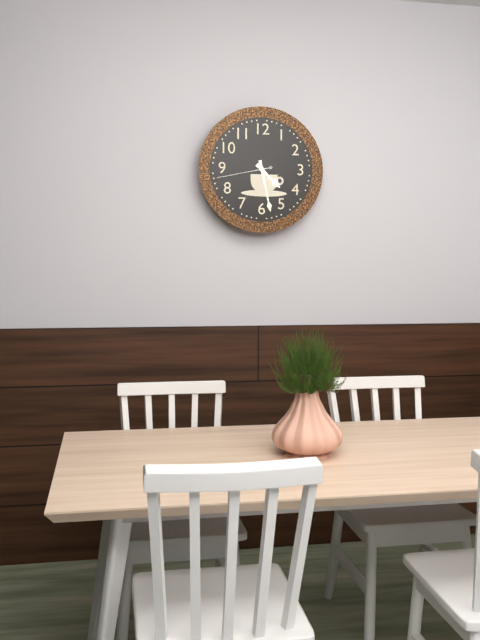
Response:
{"hour": 4, "minute": 28, "second": 43}
